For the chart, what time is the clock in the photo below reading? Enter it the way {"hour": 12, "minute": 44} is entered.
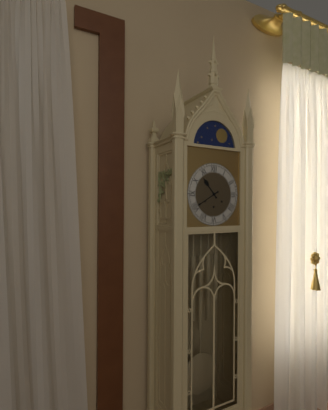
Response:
{"hour": 10, "minute": 40}
